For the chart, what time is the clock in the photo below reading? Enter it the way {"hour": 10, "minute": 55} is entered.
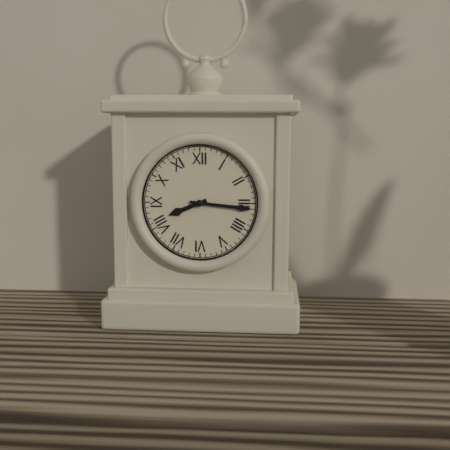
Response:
{"hour": 8, "minute": 16}
